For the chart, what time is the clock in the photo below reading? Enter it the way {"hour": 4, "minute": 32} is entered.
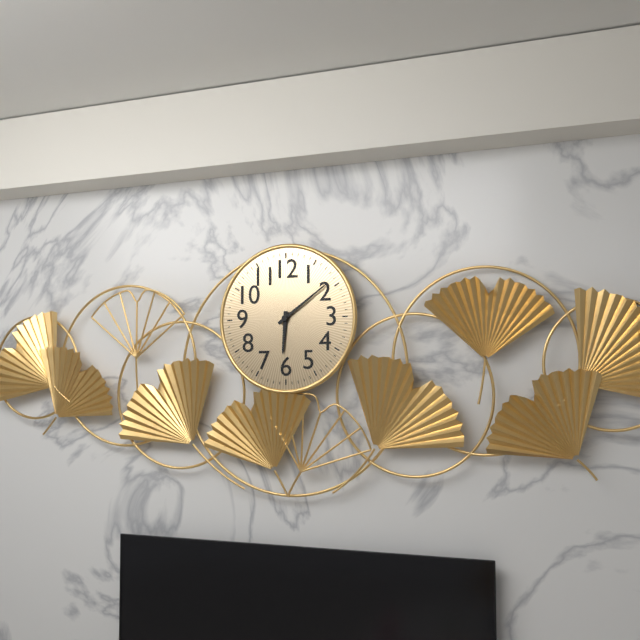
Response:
{"hour": 6, "minute": 9}
